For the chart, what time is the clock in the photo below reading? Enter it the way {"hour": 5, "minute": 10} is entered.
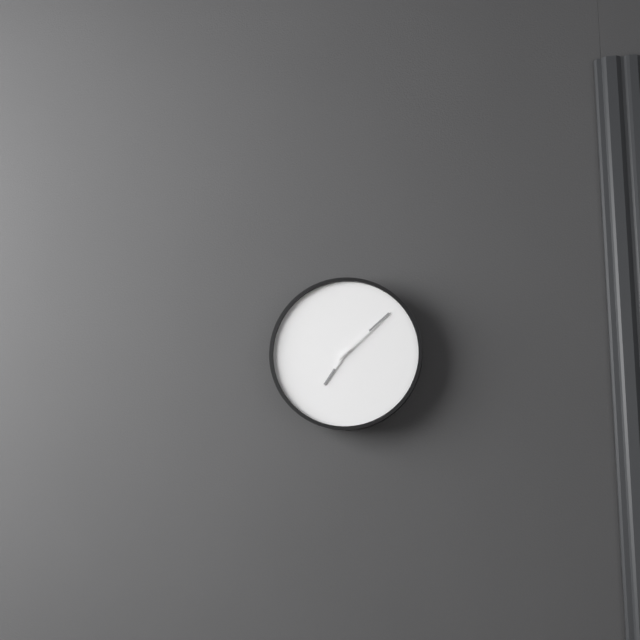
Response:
{"hour": 7, "minute": 8}
